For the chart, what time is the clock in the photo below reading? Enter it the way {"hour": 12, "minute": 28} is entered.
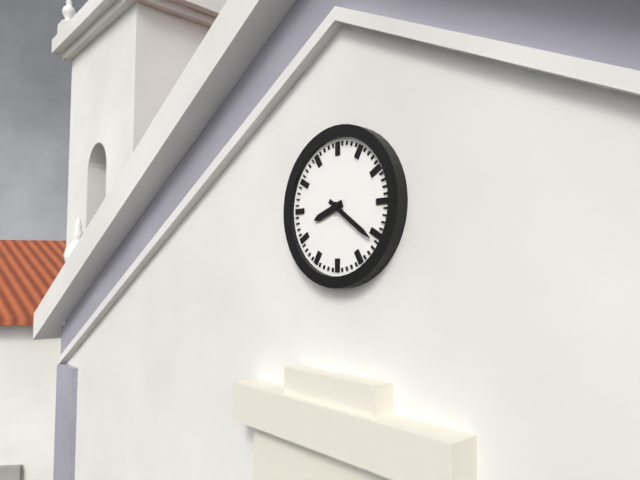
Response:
{"hour": 8, "minute": 21}
